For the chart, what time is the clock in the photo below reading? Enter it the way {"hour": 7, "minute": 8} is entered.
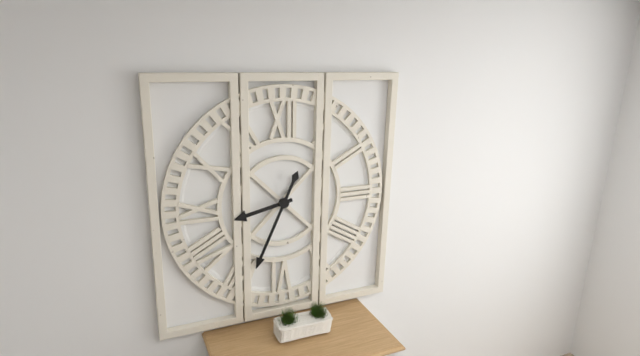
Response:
{"hour": 8, "minute": 34}
